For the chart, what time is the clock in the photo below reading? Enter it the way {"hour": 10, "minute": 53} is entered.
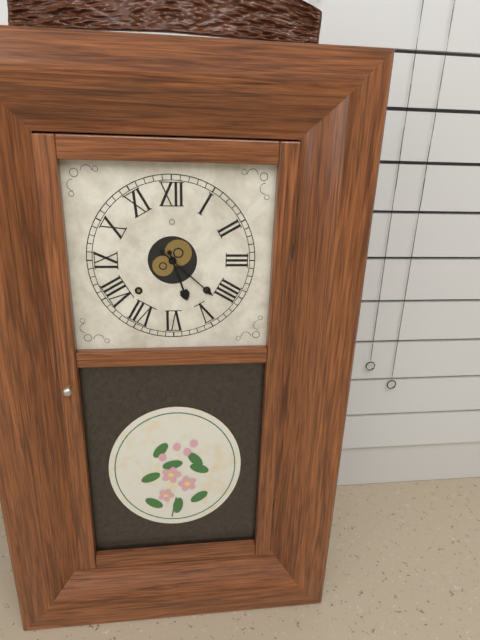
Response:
{"hour": 5, "minute": 22}
